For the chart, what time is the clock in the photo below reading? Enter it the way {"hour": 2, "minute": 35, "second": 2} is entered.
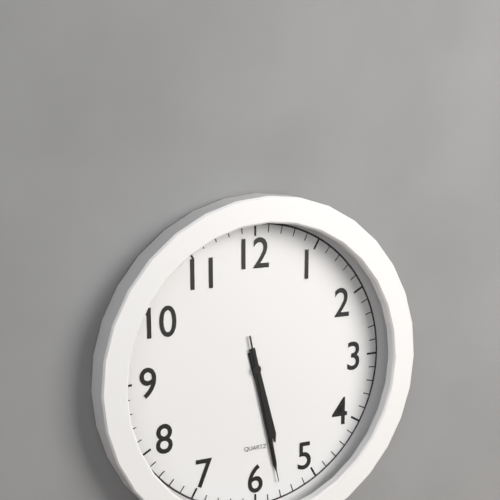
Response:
{"hour": 5, "minute": 28, "second": 28}
